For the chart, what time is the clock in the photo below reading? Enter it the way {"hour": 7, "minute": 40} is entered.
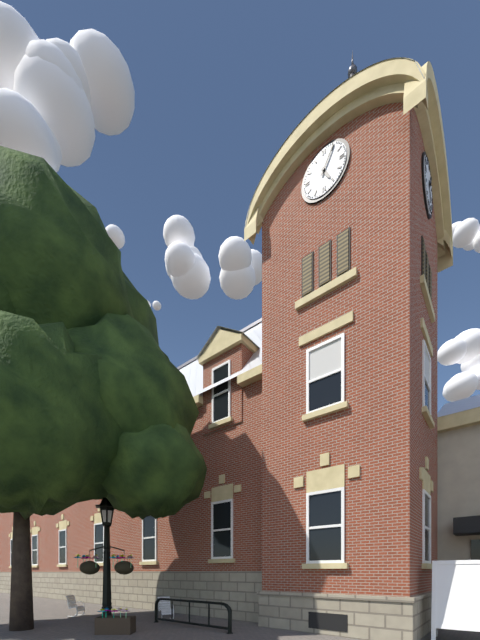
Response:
{"hour": 5, "minute": 5}
